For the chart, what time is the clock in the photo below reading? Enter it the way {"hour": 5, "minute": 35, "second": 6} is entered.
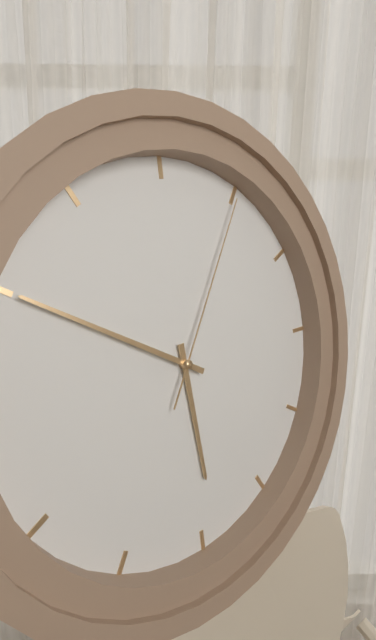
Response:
{"hour": 5, "minute": 50, "second": 5}
